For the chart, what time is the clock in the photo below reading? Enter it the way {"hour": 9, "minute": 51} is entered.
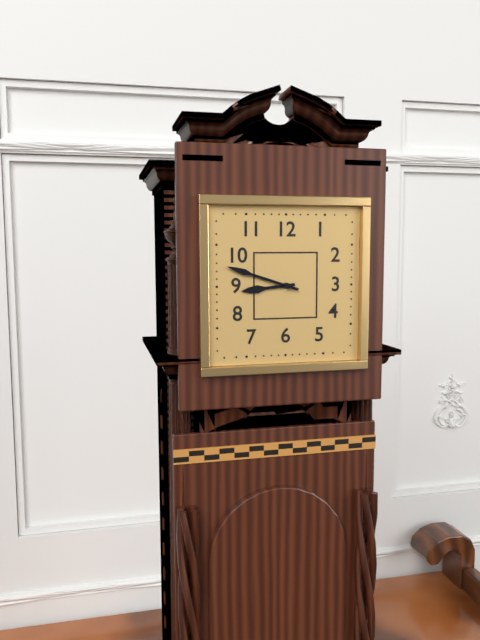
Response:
{"hour": 8, "minute": 48}
